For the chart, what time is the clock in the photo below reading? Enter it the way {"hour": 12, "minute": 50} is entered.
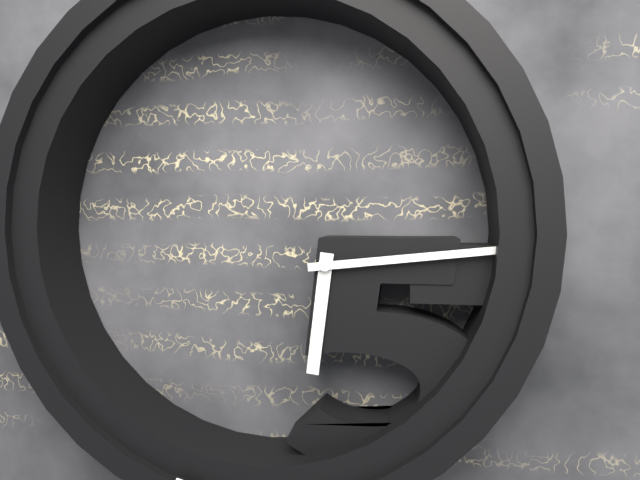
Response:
{"hour": 6, "minute": 14}
